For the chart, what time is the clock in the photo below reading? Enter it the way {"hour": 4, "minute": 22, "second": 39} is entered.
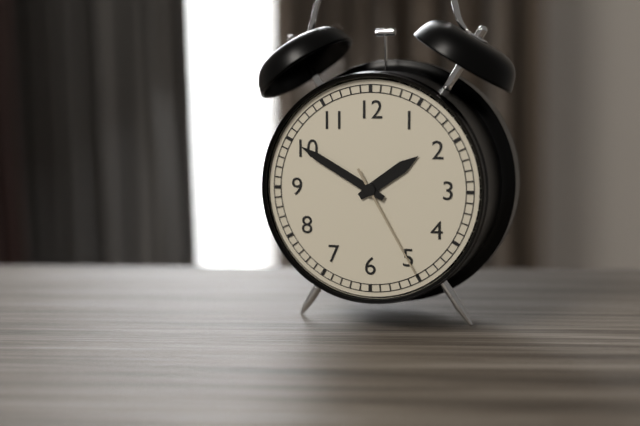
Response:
{"hour": 1, "minute": 50, "second": 25}
